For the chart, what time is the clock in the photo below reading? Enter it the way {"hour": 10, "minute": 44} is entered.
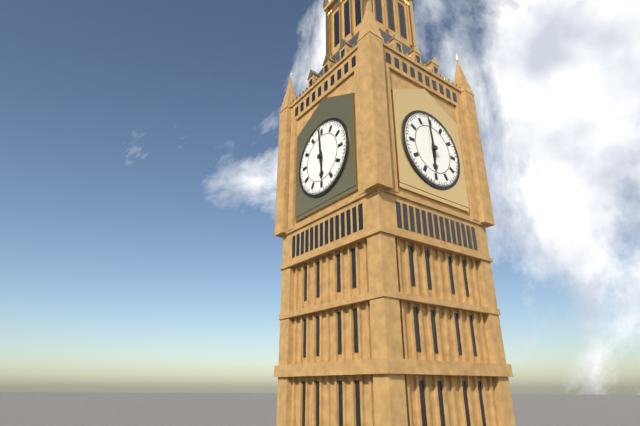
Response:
{"hour": 5, "minute": 59}
